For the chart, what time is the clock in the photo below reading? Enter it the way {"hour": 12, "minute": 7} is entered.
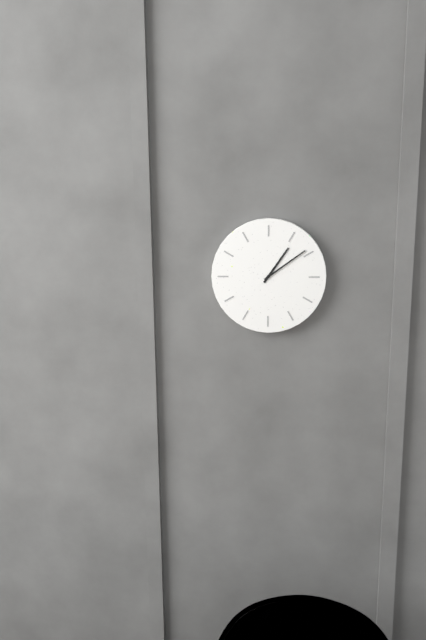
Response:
{"hour": 1, "minute": 9}
